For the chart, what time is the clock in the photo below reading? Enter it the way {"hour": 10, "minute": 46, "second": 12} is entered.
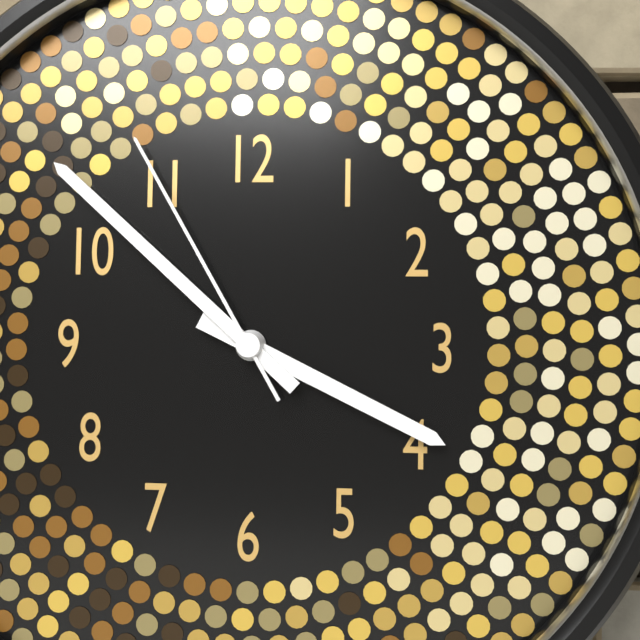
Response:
{"hour": 3, "minute": 52, "second": 55}
